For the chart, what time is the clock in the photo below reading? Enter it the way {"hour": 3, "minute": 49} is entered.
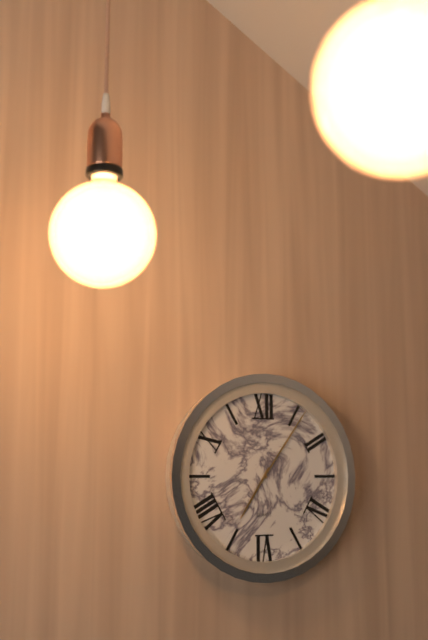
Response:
{"hour": 7, "minute": 6}
